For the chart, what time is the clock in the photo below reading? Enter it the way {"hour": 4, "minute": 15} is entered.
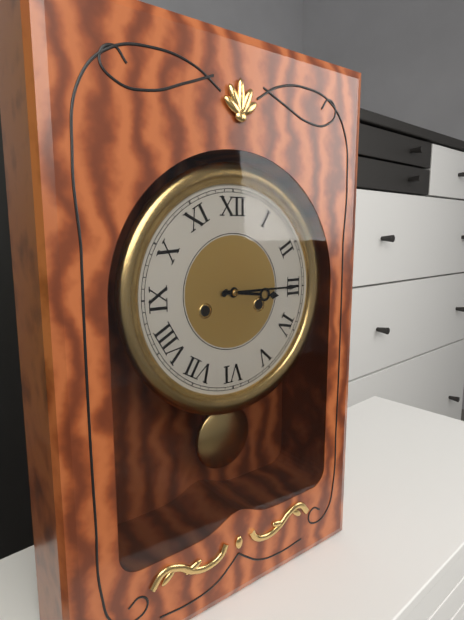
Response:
{"hour": 3, "minute": 15}
